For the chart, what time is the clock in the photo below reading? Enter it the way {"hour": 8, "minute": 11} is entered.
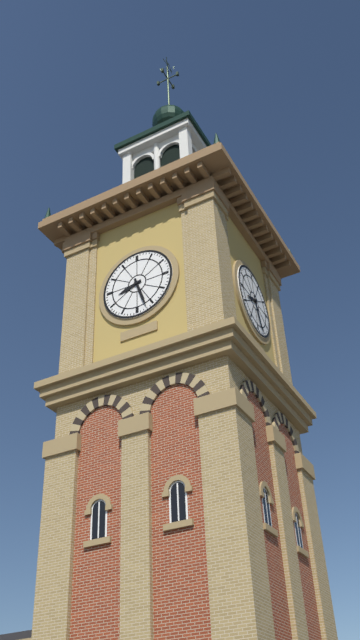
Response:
{"hour": 8, "minute": 27}
